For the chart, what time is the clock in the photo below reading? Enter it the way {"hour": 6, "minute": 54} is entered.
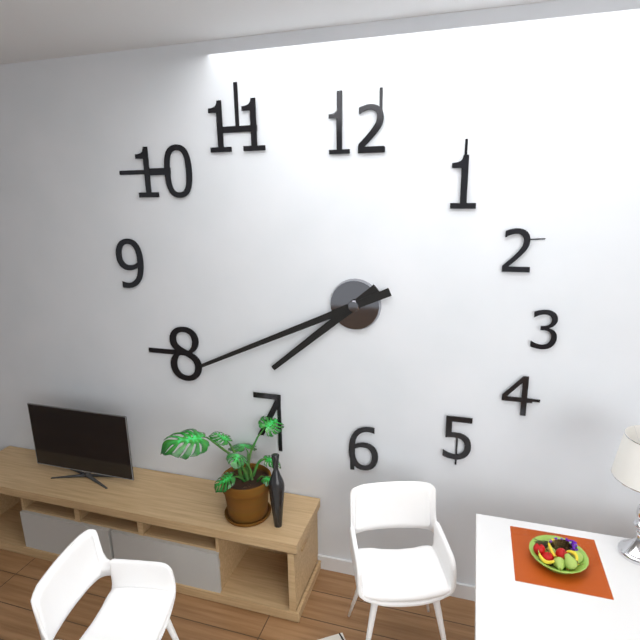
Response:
{"hour": 7, "minute": 41}
